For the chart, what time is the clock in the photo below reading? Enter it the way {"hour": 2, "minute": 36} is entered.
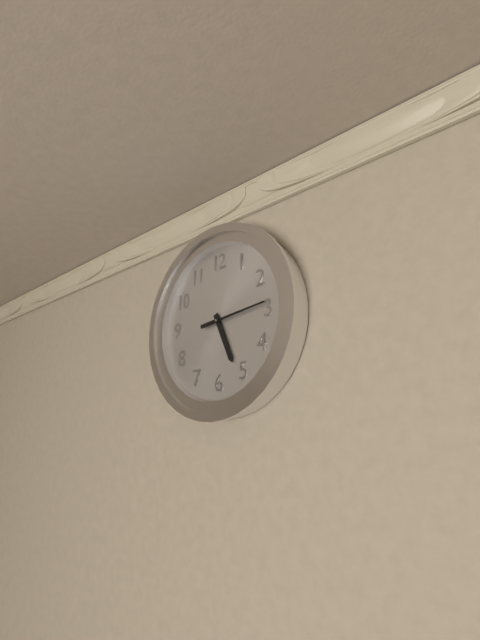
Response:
{"hour": 5, "minute": 14}
